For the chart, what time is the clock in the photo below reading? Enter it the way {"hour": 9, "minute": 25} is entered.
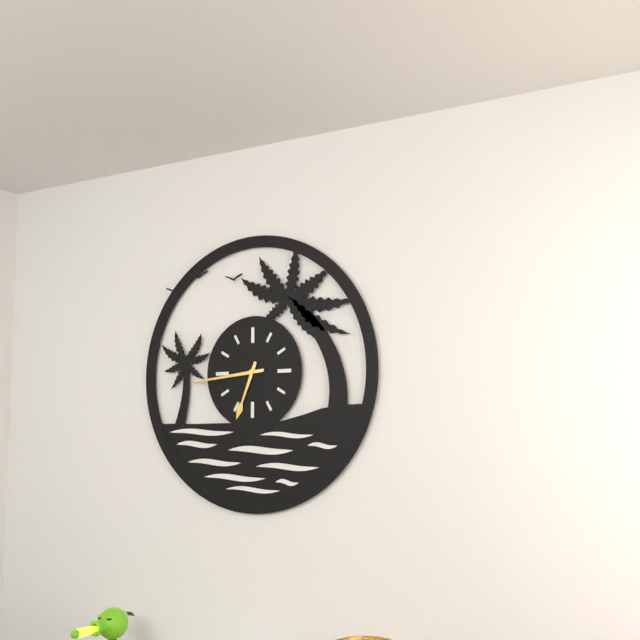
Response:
{"hour": 6, "minute": 44}
